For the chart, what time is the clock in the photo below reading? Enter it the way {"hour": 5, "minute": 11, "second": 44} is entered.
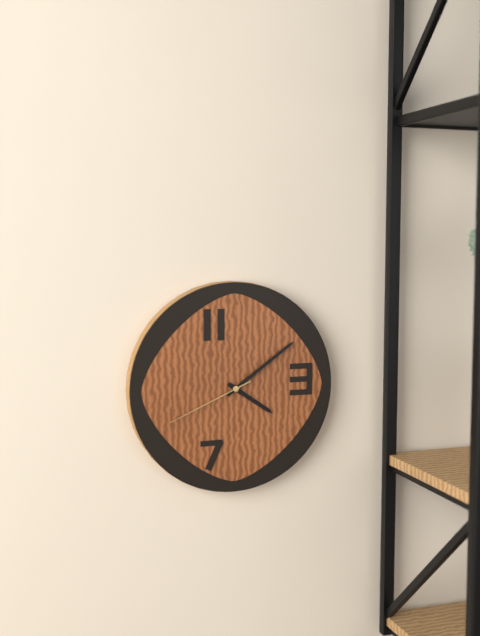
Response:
{"hour": 4, "minute": 9, "second": 41}
